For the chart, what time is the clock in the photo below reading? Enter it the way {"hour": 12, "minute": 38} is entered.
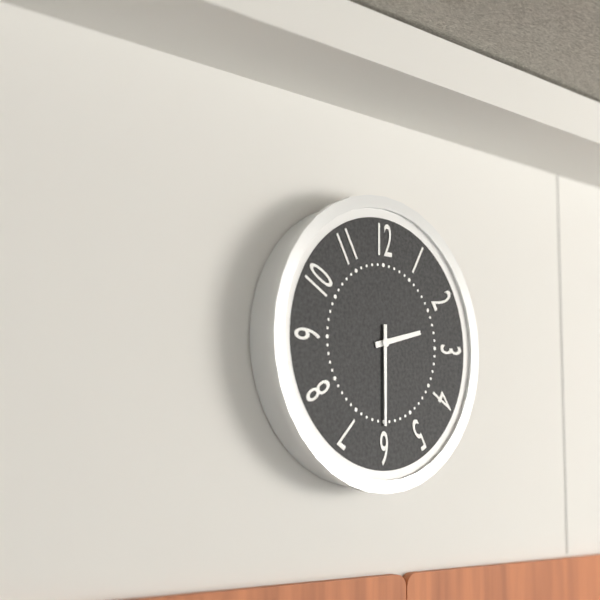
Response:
{"hour": 2, "minute": 30}
